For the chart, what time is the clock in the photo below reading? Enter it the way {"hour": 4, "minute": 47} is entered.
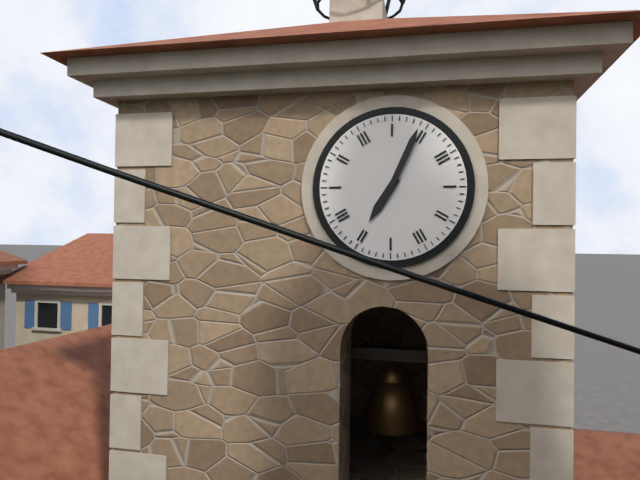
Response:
{"hour": 7, "minute": 4}
